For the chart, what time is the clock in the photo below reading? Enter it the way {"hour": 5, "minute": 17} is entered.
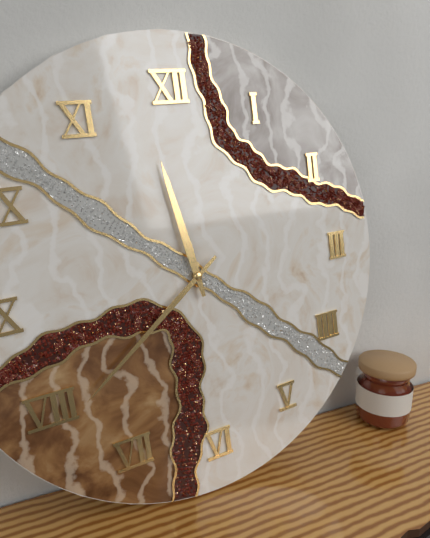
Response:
{"hour": 11, "minute": 39}
